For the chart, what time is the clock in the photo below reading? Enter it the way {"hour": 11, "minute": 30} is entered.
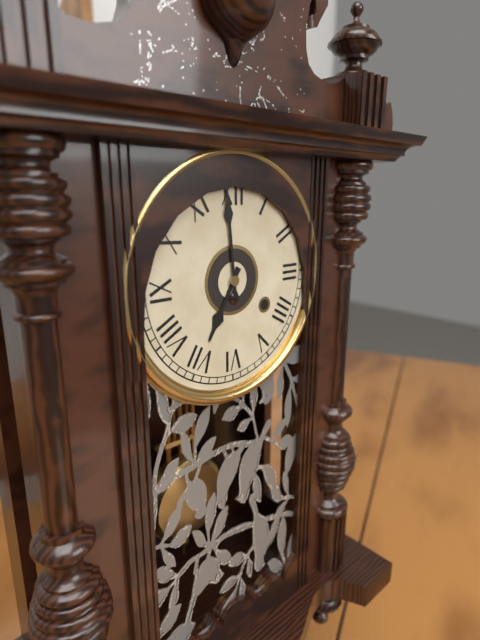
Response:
{"hour": 6, "minute": 59}
